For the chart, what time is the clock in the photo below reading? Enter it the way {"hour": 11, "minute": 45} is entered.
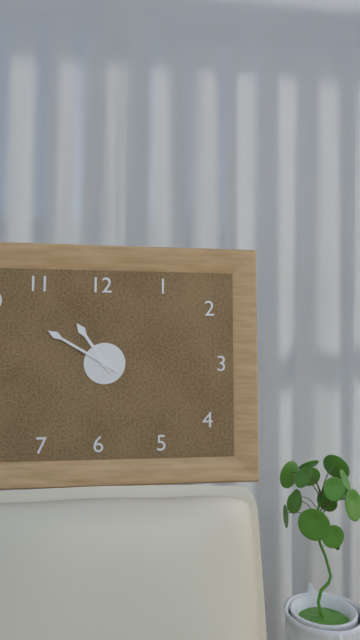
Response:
{"hour": 10, "minute": 50}
